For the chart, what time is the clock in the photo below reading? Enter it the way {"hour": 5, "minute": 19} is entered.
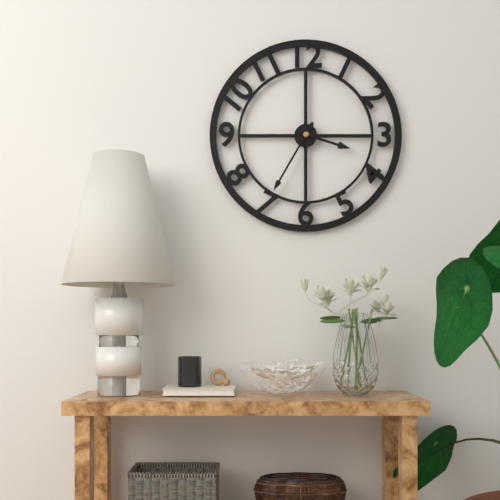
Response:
{"hour": 3, "minute": 35}
